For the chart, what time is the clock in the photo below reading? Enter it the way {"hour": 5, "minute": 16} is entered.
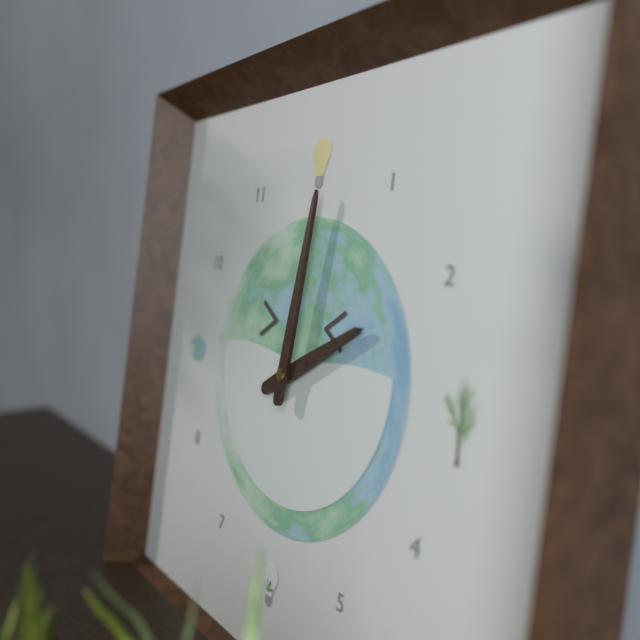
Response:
{"hour": 2, "minute": 1}
